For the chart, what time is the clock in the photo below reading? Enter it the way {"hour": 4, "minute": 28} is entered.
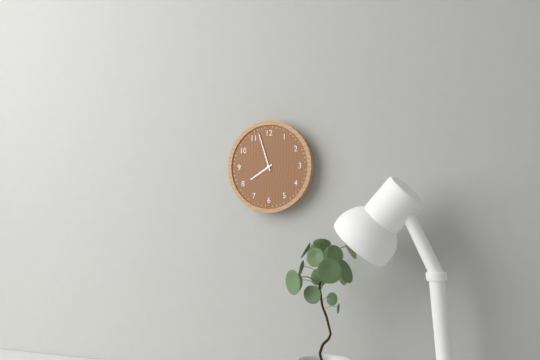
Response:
{"hour": 7, "minute": 57}
